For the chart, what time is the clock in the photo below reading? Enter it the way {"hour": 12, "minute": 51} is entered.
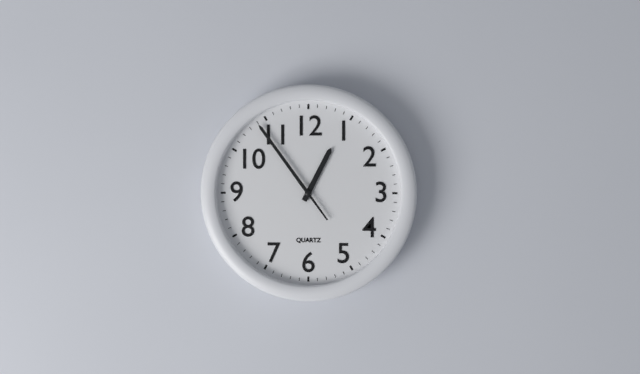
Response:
{"hour": 12, "minute": 54}
